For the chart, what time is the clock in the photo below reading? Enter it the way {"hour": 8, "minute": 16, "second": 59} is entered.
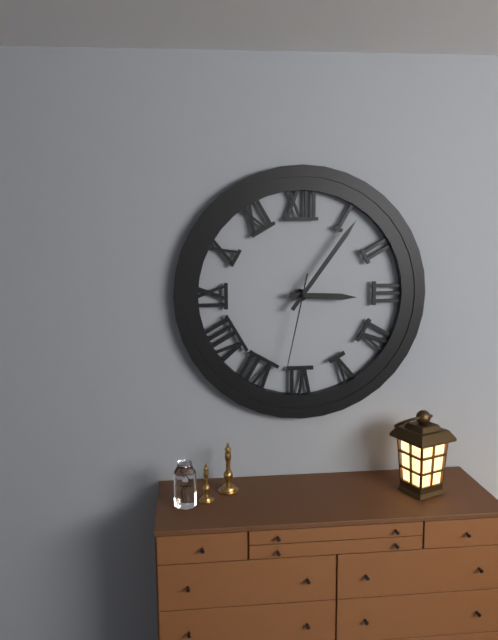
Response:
{"hour": 3, "minute": 6, "second": 32}
